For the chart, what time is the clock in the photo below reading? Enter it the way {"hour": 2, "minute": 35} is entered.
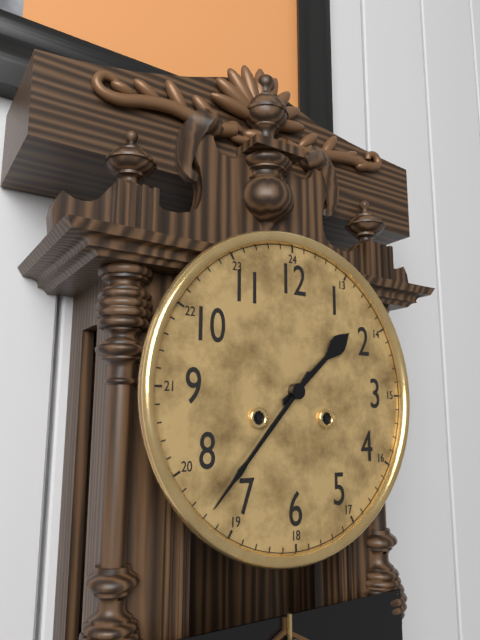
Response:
{"hour": 1, "minute": 37}
